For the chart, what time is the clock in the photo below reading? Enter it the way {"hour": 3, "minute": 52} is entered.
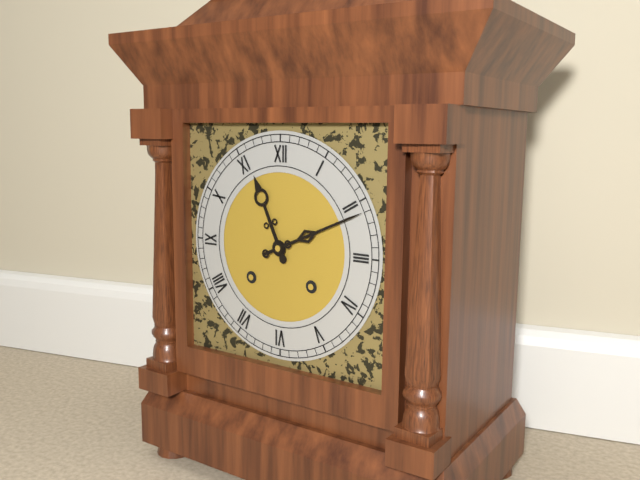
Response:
{"hour": 11, "minute": 11}
